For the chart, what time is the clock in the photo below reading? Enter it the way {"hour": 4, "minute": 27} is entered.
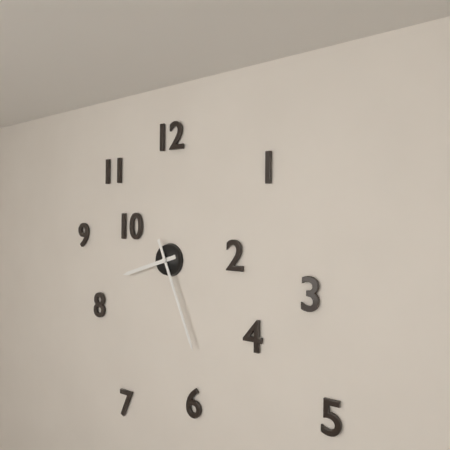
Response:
{"hour": 8, "minute": 26}
